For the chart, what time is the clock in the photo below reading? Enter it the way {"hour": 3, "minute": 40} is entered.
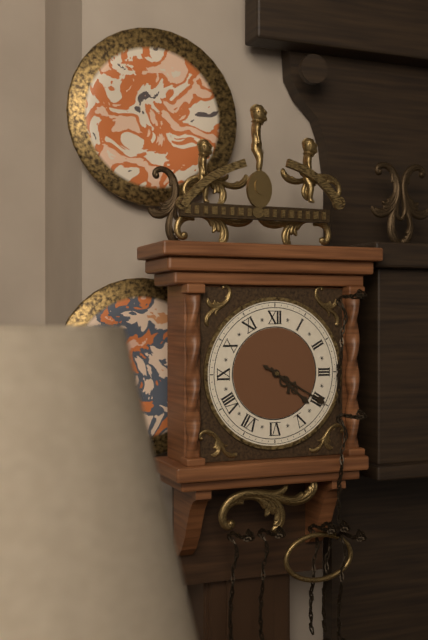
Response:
{"hour": 4, "minute": 20}
